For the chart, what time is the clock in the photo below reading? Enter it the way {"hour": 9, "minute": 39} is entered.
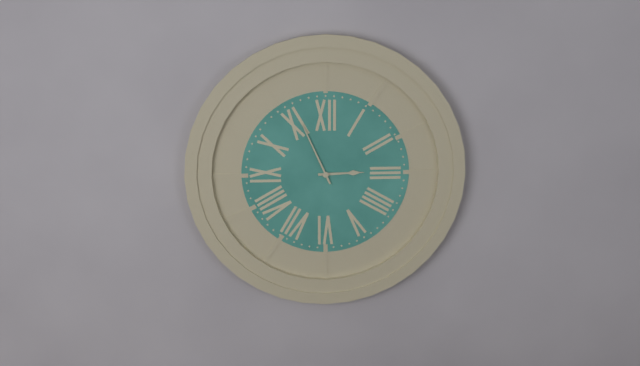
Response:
{"hour": 2, "minute": 56}
